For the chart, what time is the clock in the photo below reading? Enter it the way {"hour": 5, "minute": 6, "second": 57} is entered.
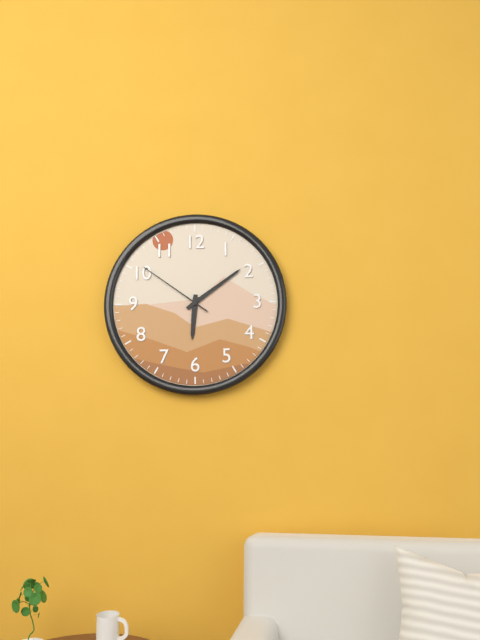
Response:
{"hour": 6, "minute": 9, "second": 51}
